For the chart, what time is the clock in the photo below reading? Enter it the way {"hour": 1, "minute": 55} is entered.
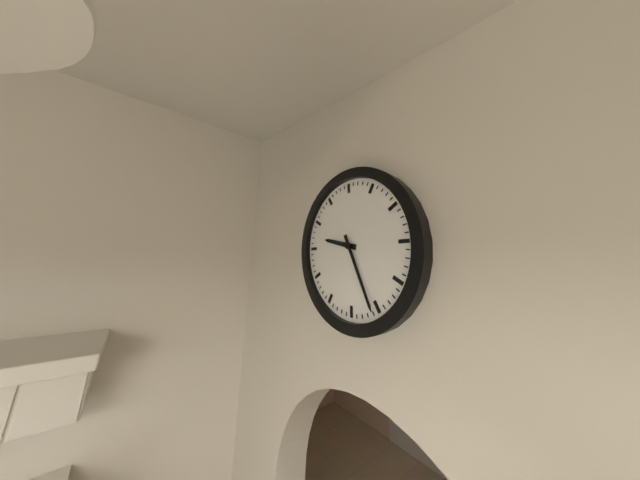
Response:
{"hour": 9, "minute": 26}
